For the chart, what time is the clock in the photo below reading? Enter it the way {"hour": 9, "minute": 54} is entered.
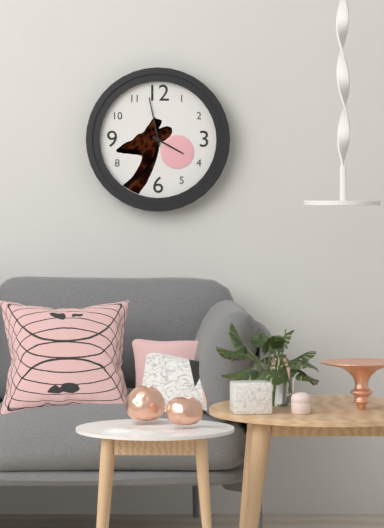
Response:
{"hour": 3, "minute": 58}
